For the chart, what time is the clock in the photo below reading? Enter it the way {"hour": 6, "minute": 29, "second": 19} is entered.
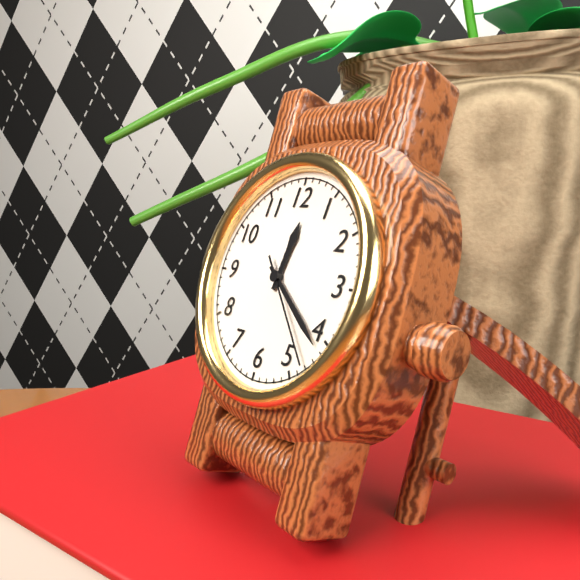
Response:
{"hour": 12, "minute": 21, "second": 23}
